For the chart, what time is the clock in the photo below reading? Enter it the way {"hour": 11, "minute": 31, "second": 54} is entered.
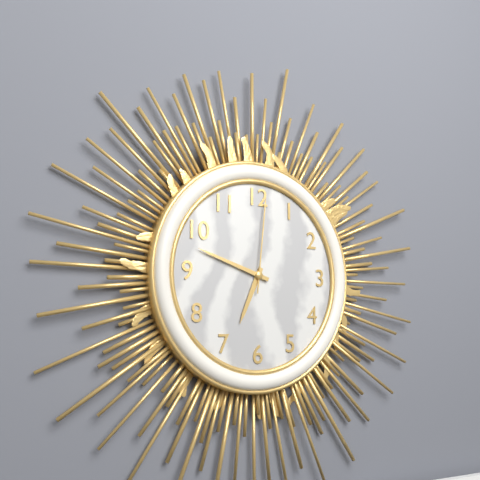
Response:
{"hour": 6, "minute": 48, "second": 1}
